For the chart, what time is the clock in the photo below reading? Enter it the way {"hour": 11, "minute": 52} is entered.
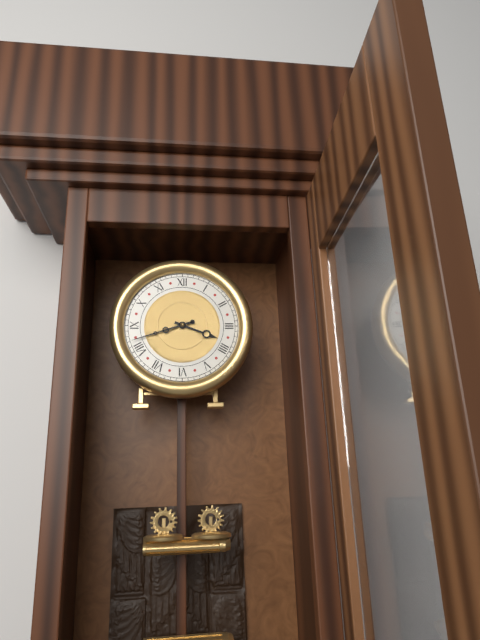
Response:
{"hour": 3, "minute": 42}
